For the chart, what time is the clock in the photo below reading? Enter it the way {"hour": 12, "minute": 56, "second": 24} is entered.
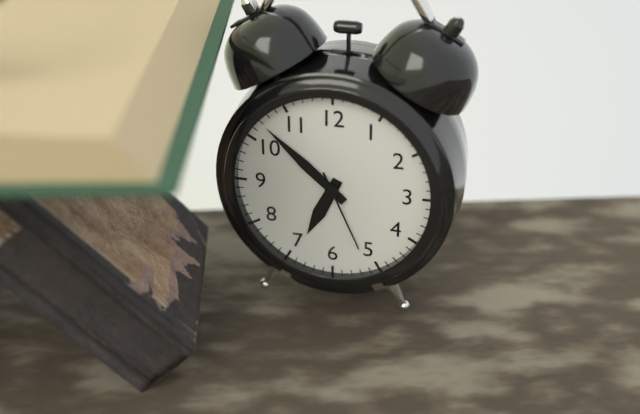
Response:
{"hour": 6, "minute": 52, "second": 26}
